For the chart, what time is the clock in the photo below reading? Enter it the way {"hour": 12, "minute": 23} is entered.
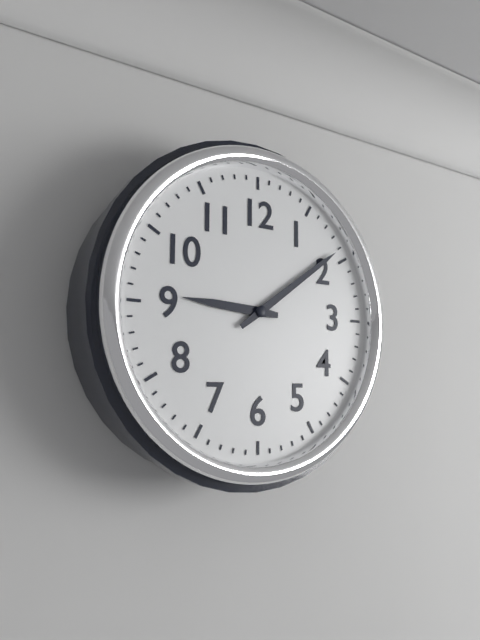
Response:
{"hour": 9, "minute": 9}
